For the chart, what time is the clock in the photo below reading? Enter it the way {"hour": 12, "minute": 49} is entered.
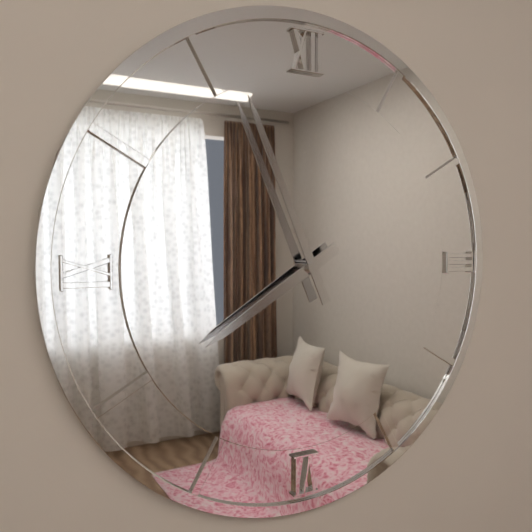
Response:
{"hour": 7, "minute": 56}
